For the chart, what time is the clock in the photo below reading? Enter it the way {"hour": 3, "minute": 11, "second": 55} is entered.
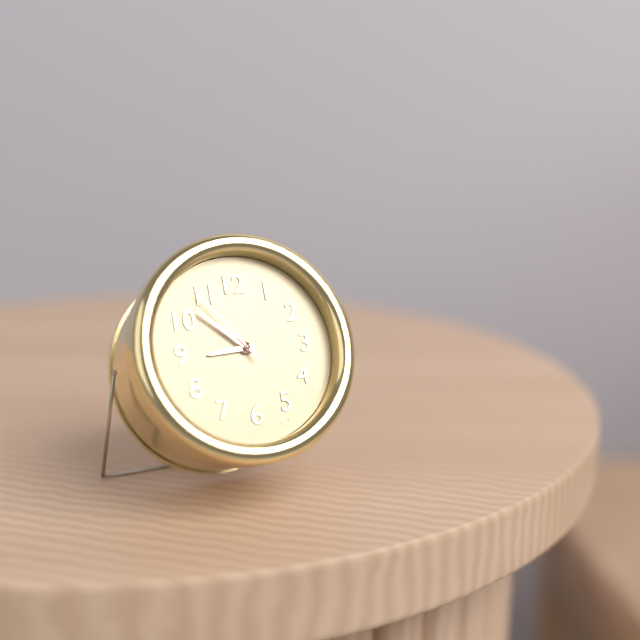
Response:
{"hour": 8, "minute": 52, "second": 54}
